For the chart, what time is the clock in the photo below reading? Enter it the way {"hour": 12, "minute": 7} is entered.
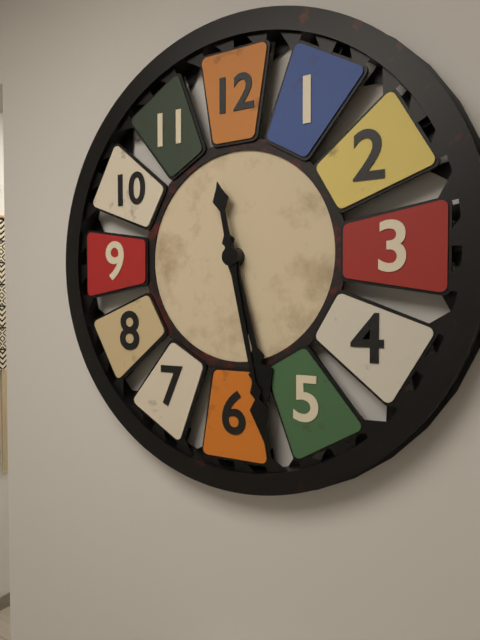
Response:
{"hour": 5, "minute": 28}
